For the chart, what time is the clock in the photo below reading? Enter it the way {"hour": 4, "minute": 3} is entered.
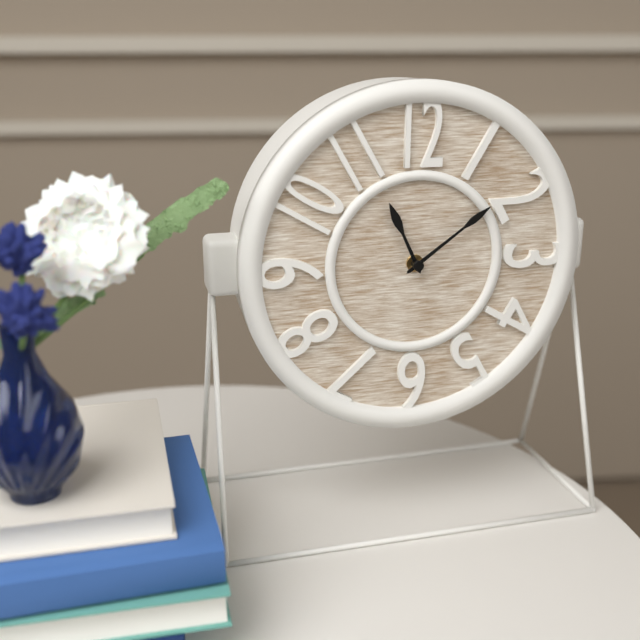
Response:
{"hour": 11, "minute": 9}
